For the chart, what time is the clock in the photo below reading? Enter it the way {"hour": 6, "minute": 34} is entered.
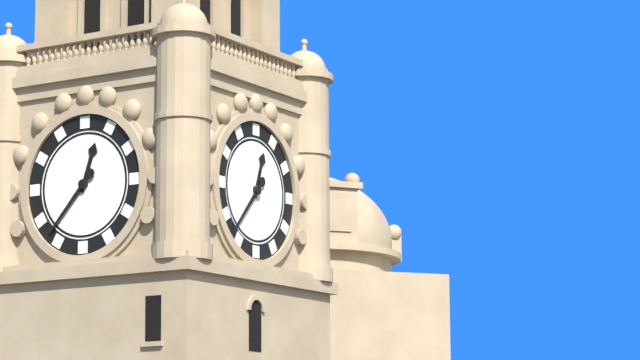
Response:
{"hour": 12, "minute": 37}
